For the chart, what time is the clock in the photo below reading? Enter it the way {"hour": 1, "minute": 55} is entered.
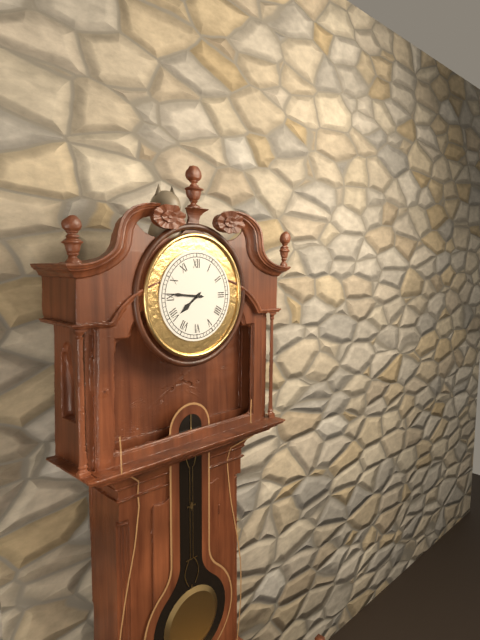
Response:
{"hour": 7, "minute": 46}
